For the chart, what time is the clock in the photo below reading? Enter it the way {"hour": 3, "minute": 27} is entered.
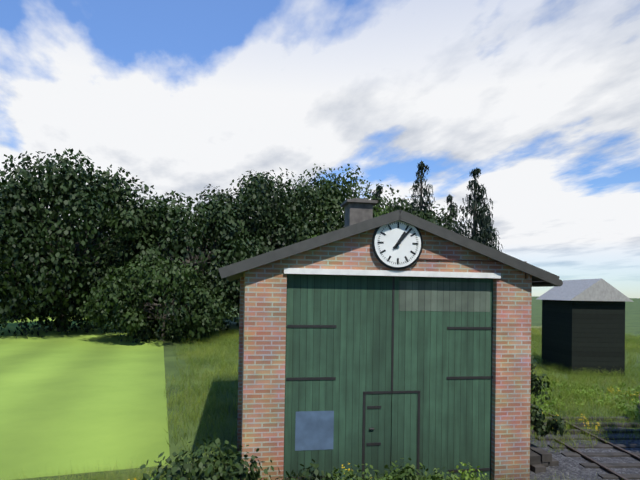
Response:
{"hour": 1, "minute": 7}
